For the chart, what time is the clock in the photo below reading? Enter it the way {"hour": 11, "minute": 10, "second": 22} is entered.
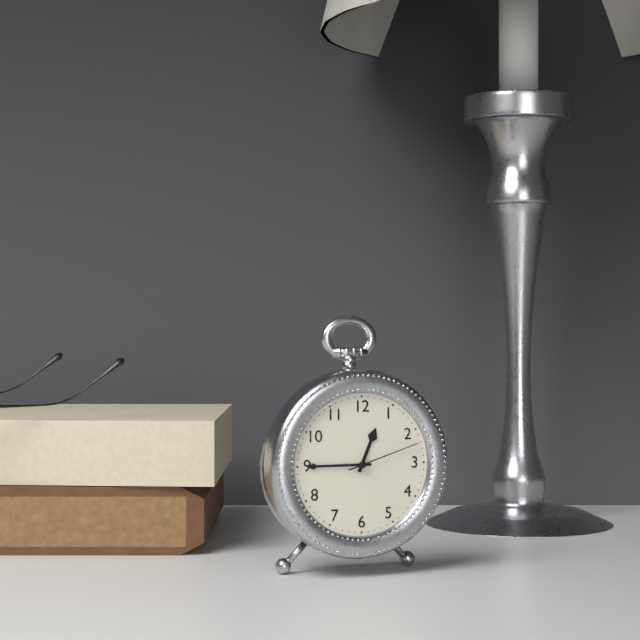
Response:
{"hour": 12, "minute": 45, "second": 12}
